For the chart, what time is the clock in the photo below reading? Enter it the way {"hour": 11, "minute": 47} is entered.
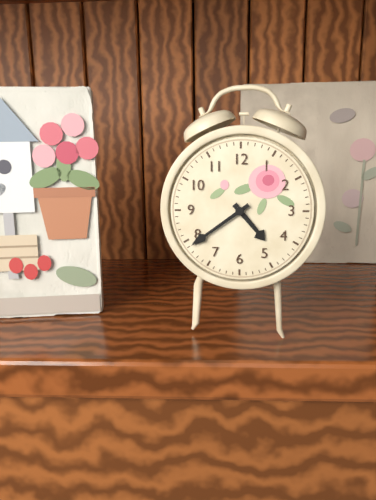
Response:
{"hour": 4, "minute": 39}
